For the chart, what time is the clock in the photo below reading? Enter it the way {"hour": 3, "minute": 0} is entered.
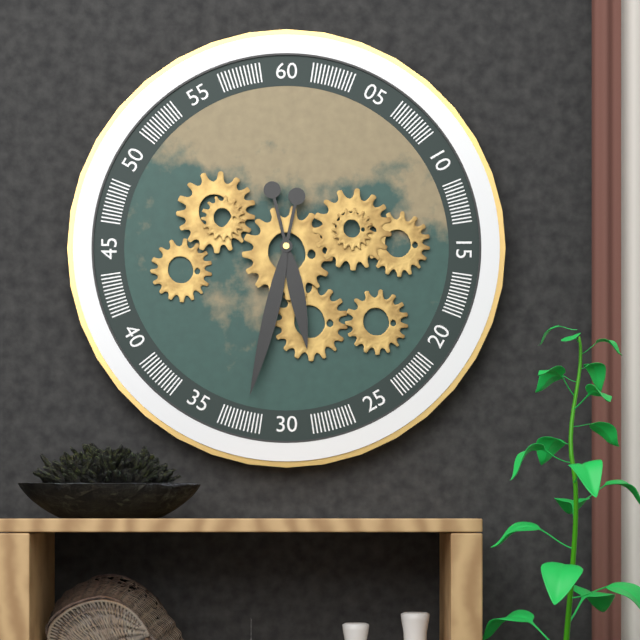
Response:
{"hour": 5, "minute": 32}
